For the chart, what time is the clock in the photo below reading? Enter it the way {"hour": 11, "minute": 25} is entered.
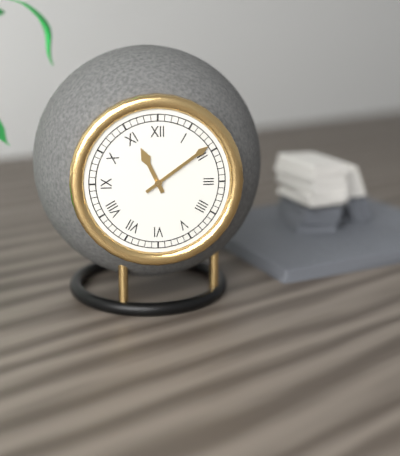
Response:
{"hour": 11, "minute": 9}
